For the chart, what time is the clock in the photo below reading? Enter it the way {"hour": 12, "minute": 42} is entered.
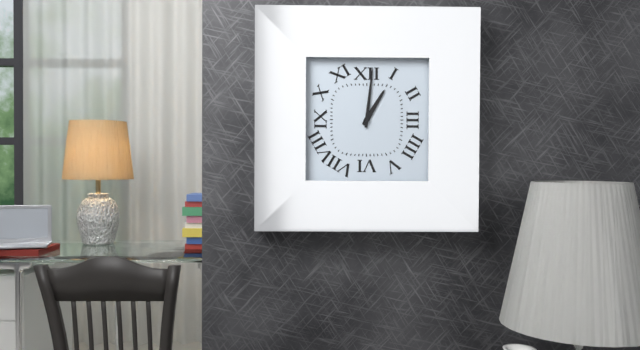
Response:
{"hour": 1, "minute": 1}
